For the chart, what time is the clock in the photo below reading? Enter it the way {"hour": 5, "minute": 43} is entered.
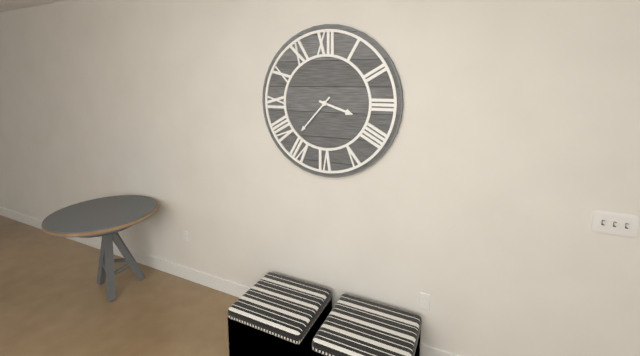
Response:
{"hour": 3, "minute": 37}
